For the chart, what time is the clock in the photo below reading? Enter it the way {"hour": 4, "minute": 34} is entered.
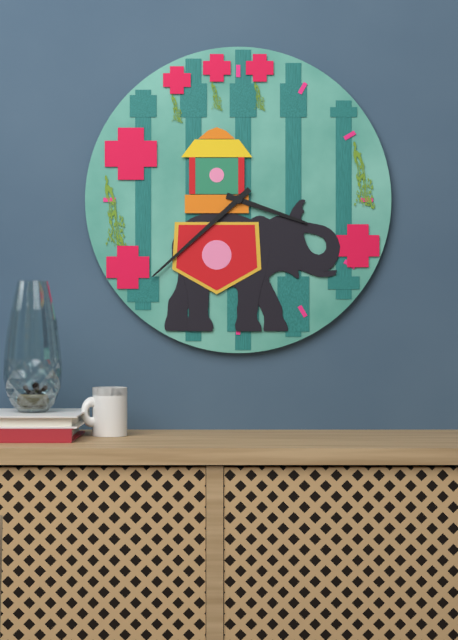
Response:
{"hour": 3, "minute": 38}
